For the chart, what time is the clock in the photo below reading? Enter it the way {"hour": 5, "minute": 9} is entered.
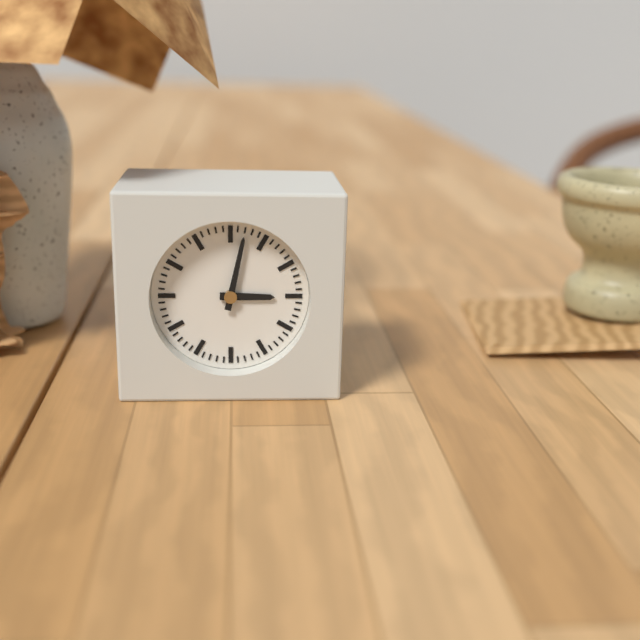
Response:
{"hour": 3, "minute": 2}
